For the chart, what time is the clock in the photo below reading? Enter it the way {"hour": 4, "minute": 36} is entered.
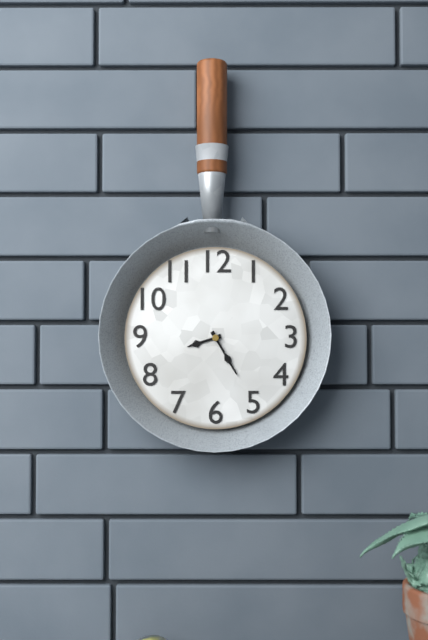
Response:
{"hour": 8, "minute": 25}
